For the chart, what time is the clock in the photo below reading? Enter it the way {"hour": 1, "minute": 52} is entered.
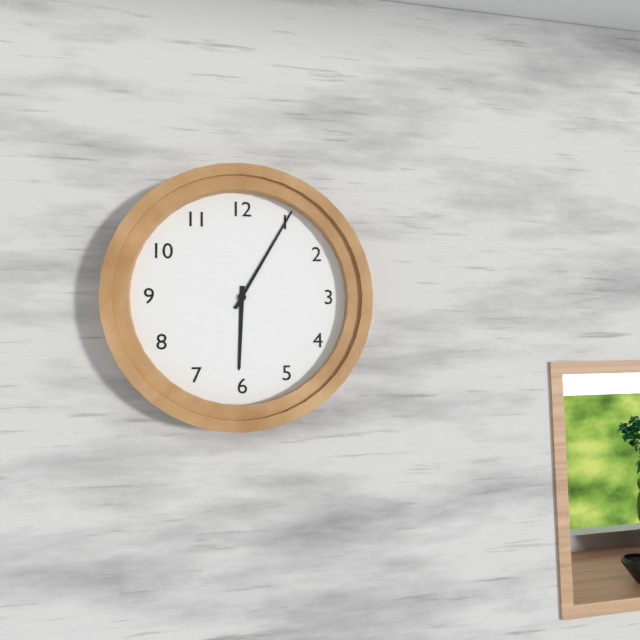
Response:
{"hour": 6, "minute": 5}
